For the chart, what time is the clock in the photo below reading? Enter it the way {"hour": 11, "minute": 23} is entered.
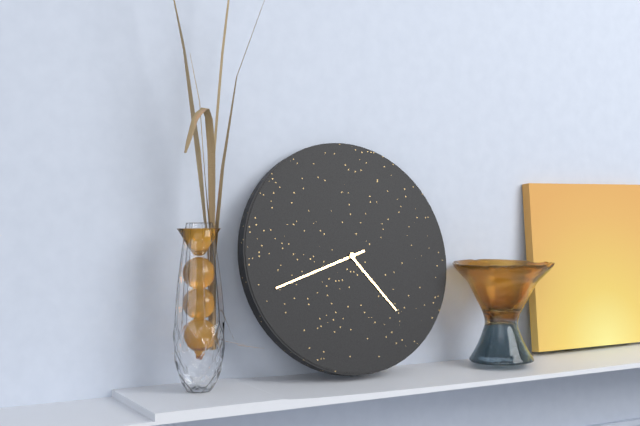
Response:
{"hour": 4, "minute": 42}
